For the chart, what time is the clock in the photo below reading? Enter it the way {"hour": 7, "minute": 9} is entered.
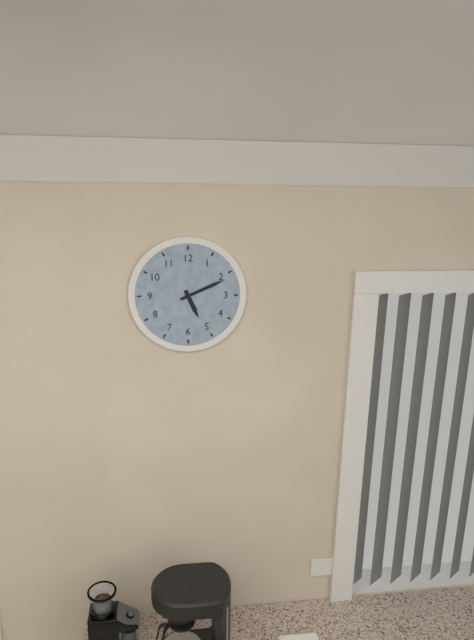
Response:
{"hour": 5, "minute": 11}
